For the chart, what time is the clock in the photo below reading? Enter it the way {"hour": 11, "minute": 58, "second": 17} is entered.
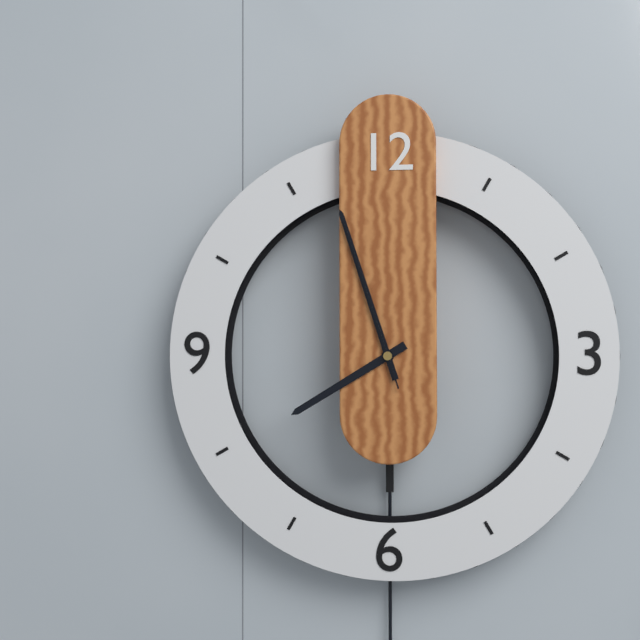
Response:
{"hour": 7, "minute": 57, "second": 57}
